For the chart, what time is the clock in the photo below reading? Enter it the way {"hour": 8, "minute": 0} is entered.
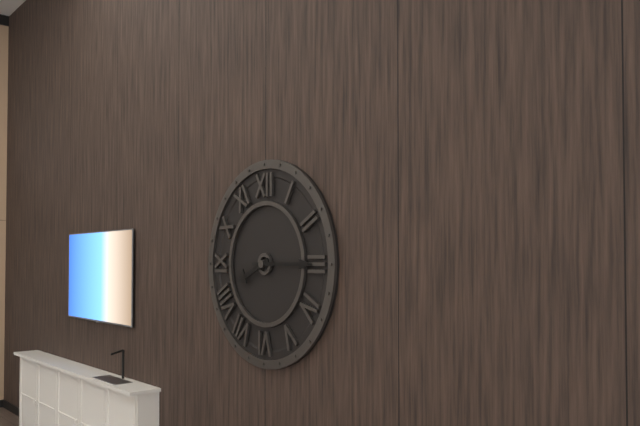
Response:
{"hour": 8, "minute": 15}
